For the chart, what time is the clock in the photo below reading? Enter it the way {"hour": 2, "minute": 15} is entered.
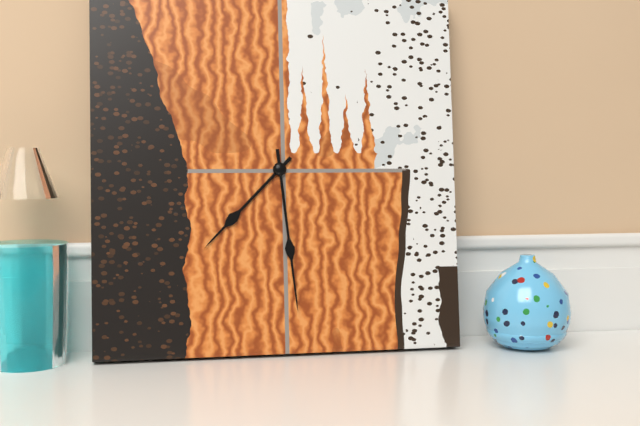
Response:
{"hour": 7, "minute": 29}
